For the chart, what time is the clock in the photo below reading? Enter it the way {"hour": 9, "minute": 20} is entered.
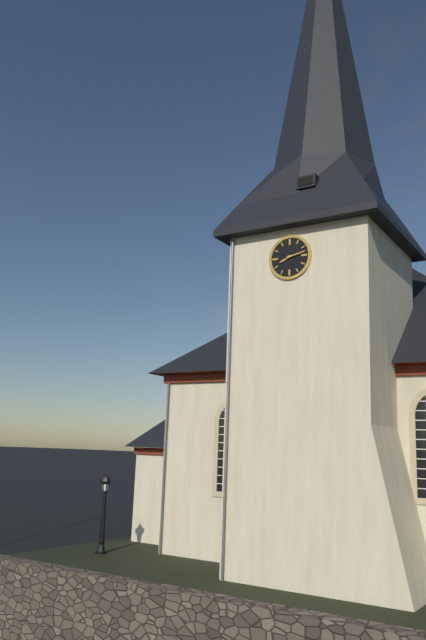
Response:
{"hour": 8, "minute": 13}
